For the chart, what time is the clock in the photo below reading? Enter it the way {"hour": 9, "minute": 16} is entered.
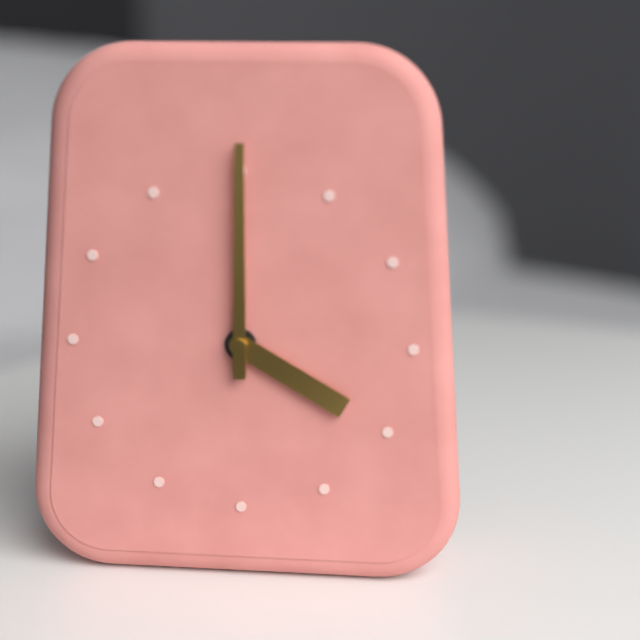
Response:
{"hour": 4, "minute": 0}
